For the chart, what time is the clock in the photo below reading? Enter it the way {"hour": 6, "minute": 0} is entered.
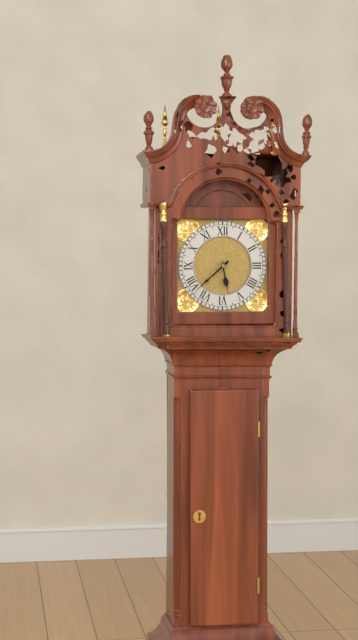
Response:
{"hour": 5, "minute": 38}
